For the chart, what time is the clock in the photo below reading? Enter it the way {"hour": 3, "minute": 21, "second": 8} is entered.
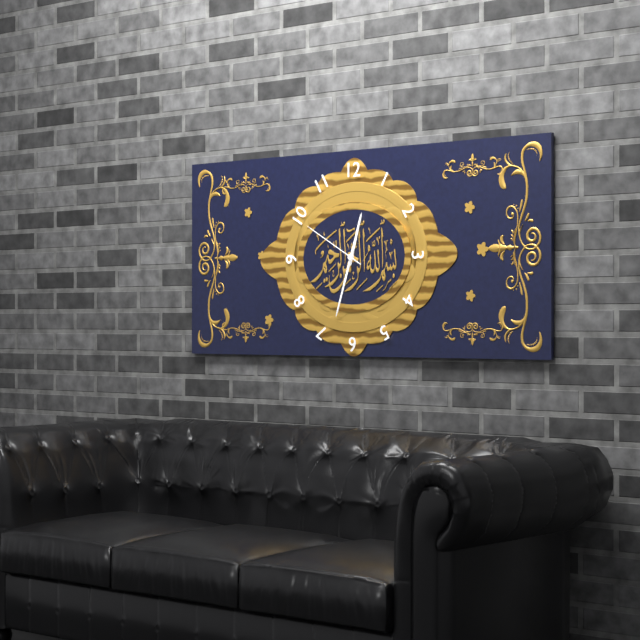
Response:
{"hour": 12, "minute": 33, "second": 50}
